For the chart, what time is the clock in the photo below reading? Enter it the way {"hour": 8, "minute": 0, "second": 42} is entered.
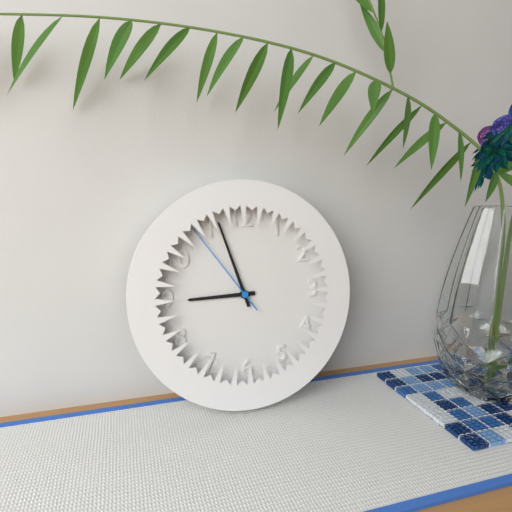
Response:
{"hour": 8, "minute": 57, "second": 54}
